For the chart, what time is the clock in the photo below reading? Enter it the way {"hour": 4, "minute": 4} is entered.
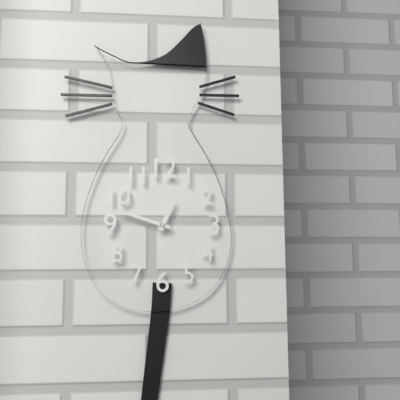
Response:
{"hour": 12, "minute": 48}
